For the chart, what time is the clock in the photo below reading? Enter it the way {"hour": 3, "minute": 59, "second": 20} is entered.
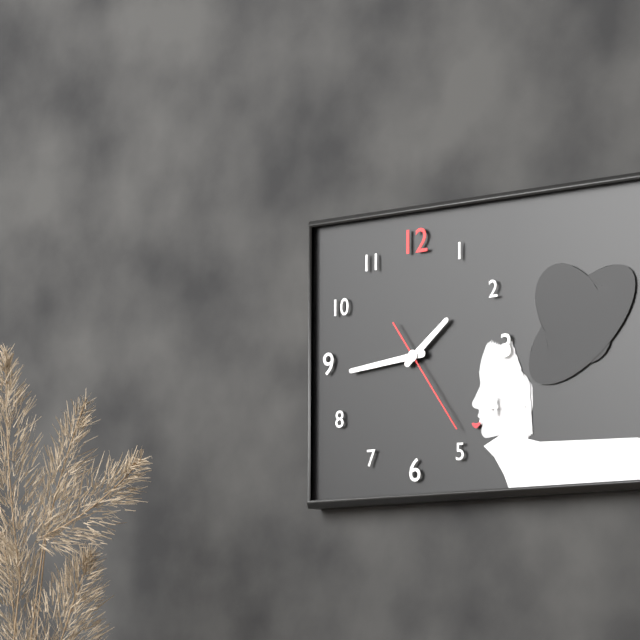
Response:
{"hour": 1, "minute": 44, "second": 24}
